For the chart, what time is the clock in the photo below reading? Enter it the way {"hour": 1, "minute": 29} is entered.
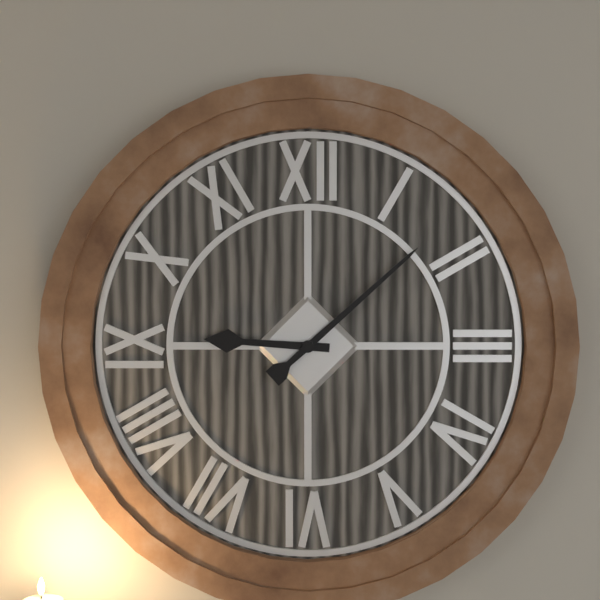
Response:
{"hour": 9, "minute": 8}
